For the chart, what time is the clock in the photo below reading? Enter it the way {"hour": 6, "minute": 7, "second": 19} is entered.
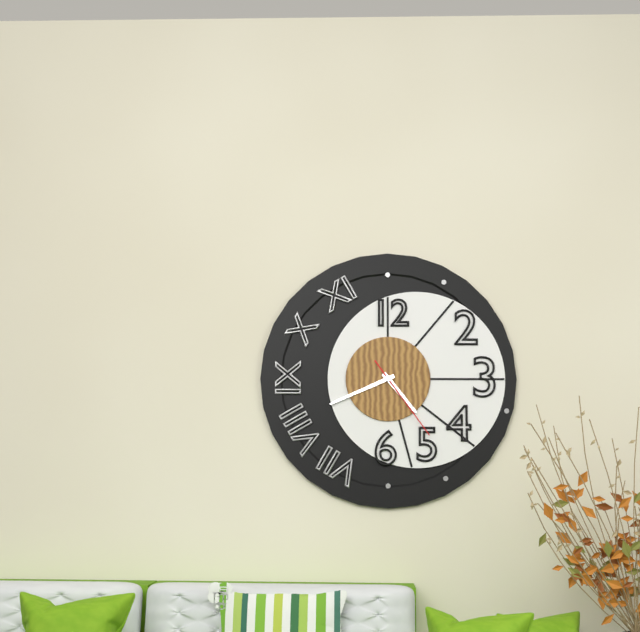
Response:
{"hour": 4, "minute": 41, "second": 24}
